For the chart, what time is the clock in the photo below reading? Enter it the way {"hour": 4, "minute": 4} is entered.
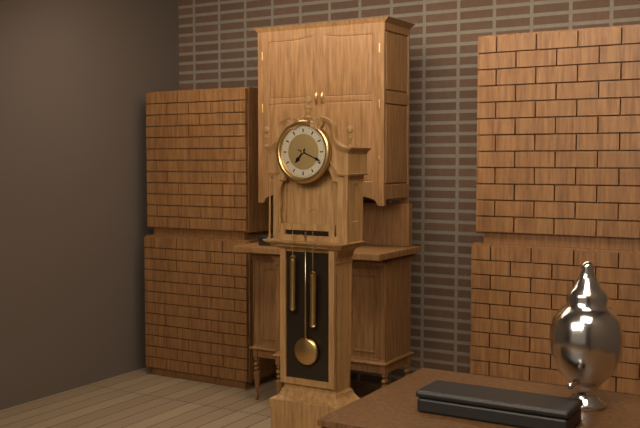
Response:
{"hour": 7, "minute": 19}
